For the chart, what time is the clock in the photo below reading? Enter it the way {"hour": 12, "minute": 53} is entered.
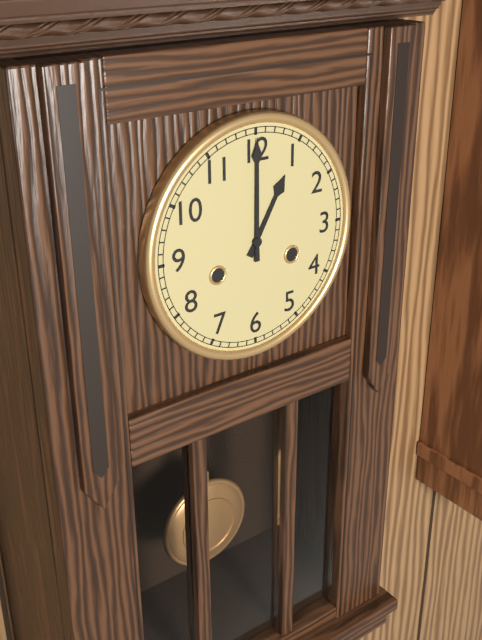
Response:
{"hour": 1, "minute": 0}
